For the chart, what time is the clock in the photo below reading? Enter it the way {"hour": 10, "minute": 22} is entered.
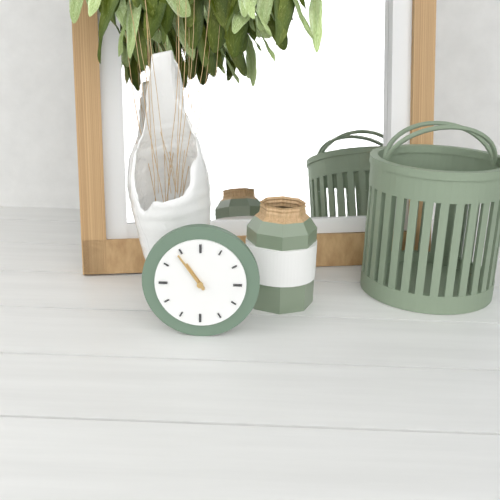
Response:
{"hour": 10, "minute": 54}
